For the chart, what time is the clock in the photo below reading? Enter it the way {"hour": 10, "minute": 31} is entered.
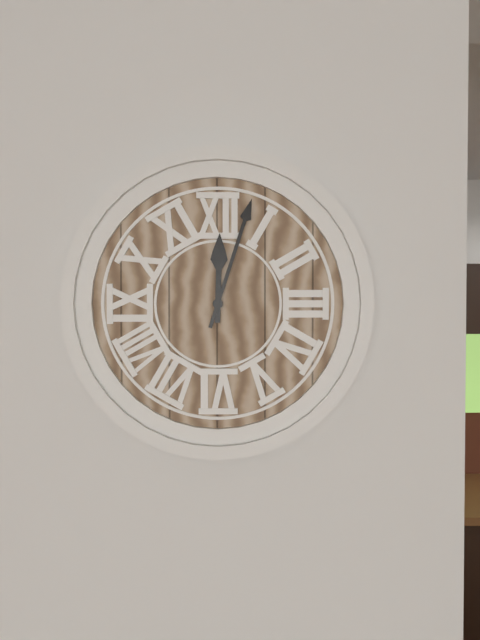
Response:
{"hour": 12, "minute": 3}
